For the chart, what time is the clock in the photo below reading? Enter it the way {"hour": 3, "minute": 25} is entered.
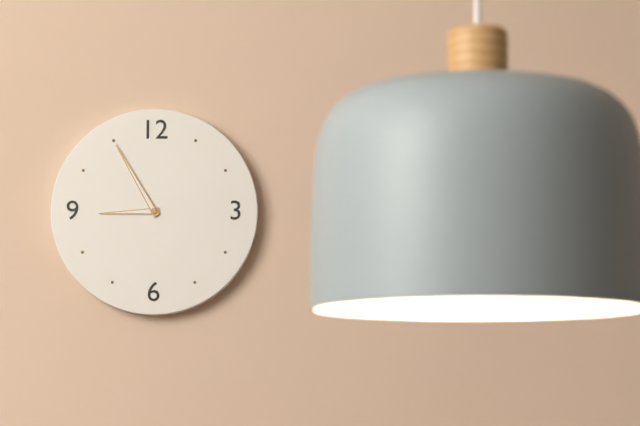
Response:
{"hour": 8, "minute": 55}
